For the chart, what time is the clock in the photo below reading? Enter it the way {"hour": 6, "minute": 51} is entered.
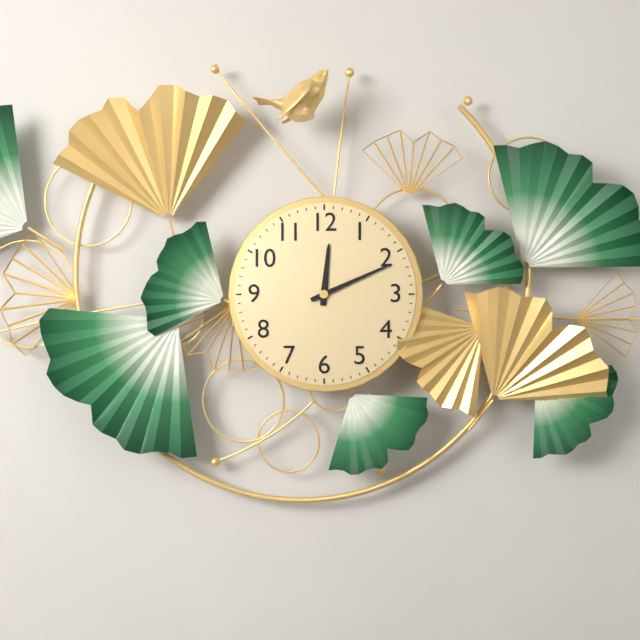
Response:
{"hour": 12, "minute": 11}
